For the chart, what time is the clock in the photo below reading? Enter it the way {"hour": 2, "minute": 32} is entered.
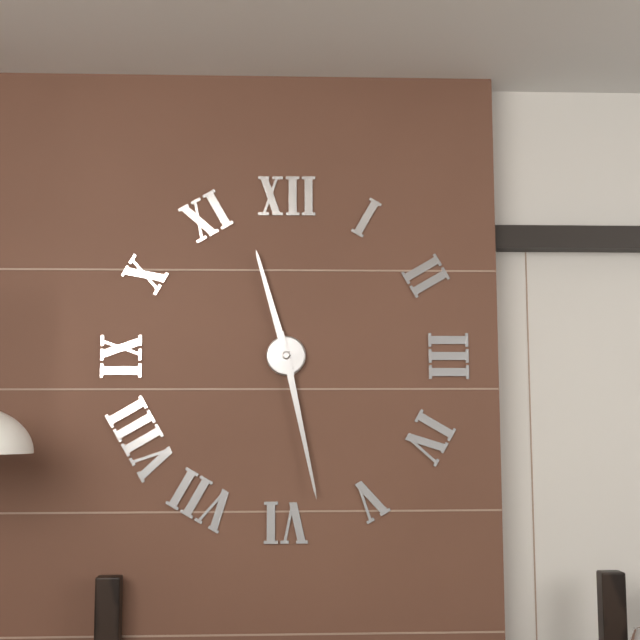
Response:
{"hour": 11, "minute": 28}
